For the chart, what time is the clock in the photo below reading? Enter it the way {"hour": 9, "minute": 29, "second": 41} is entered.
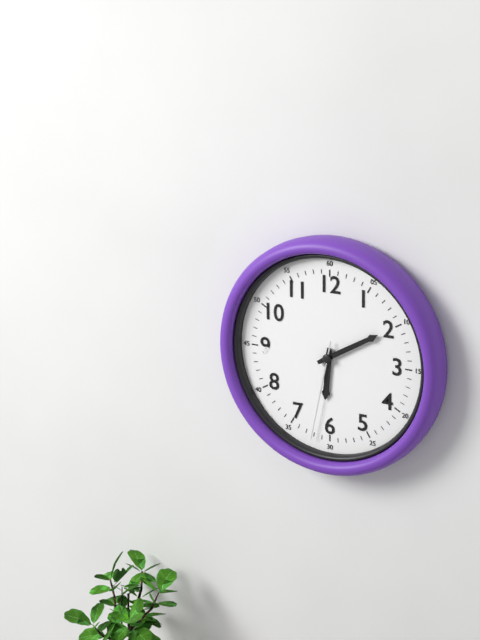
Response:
{"hour": 6, "minute": 10, "second": 32}
